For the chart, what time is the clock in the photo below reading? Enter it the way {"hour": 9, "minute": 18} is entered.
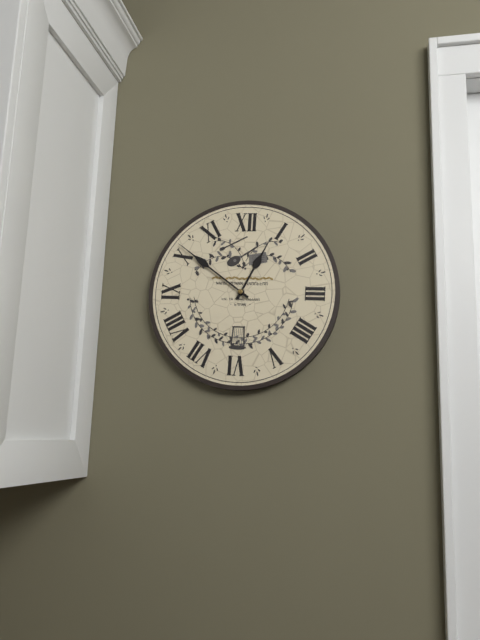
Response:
{"hour": 12, "minute": 51}
